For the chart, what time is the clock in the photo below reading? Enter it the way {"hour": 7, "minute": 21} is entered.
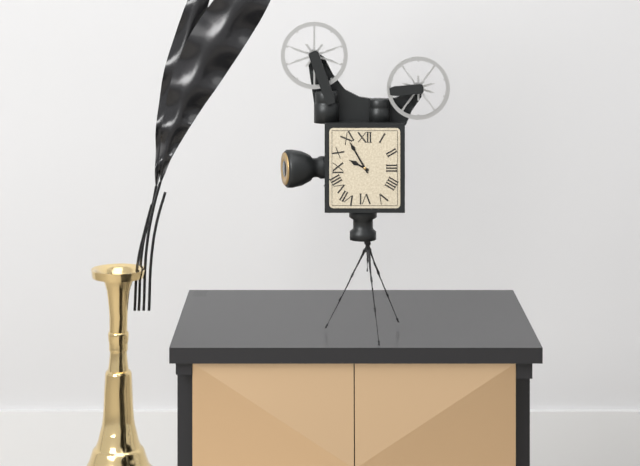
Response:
{"hour": 9, "minute": 55}
